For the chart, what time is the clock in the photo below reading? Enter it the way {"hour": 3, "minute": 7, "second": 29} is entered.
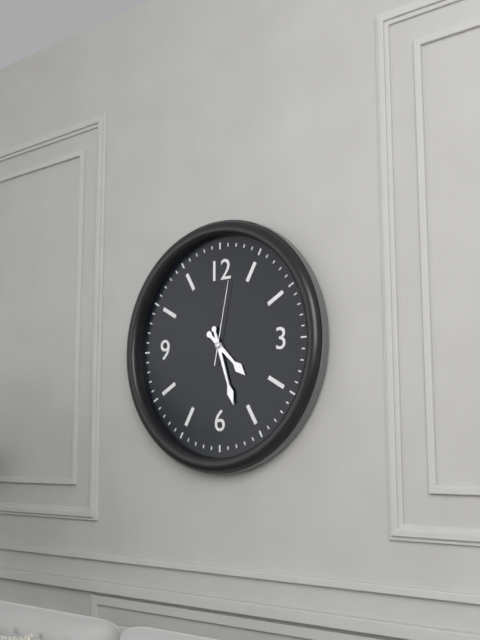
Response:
{"hour": 4, "minute": 27, "second": 2}
